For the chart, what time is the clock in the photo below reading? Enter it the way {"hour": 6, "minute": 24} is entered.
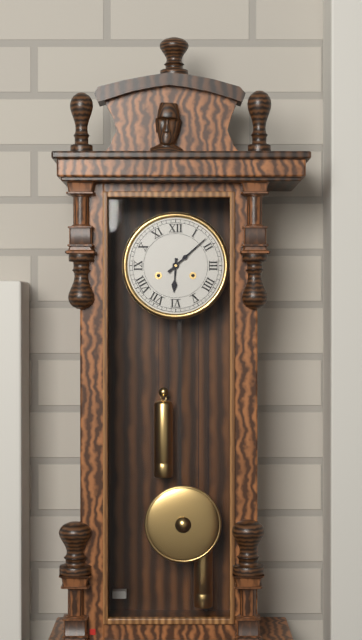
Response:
{"hour": 6, "minute": 8}
